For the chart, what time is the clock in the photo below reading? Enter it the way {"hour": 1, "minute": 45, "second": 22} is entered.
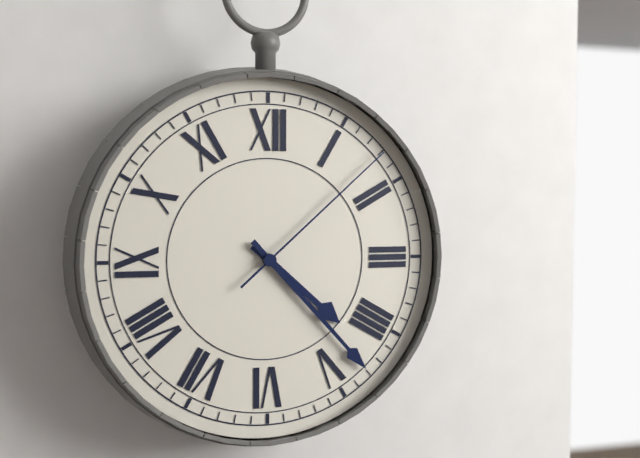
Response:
{"hour": 4, "minute": 23, "second": 8}
